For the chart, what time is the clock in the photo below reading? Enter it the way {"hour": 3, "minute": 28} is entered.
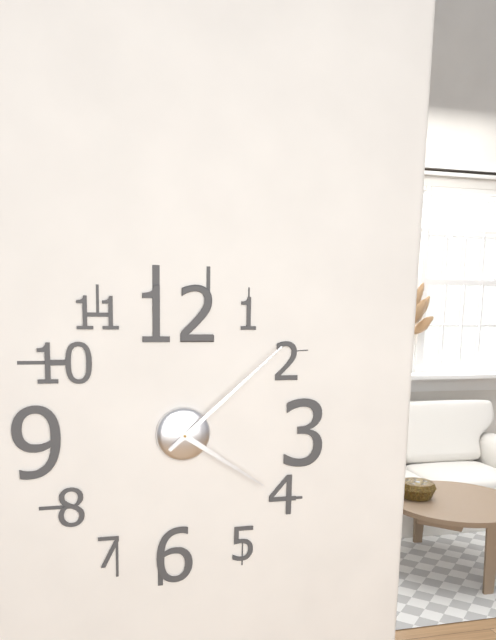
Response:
{"hour": 4, "minute": 8}
